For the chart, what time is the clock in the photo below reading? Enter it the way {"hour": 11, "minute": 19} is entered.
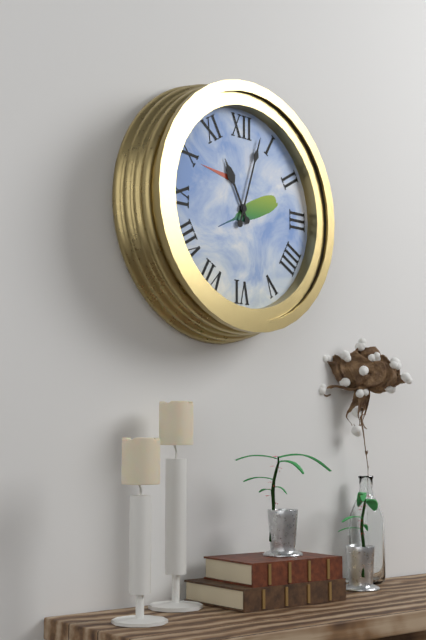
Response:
{"hour": 11, "minute": 3}
